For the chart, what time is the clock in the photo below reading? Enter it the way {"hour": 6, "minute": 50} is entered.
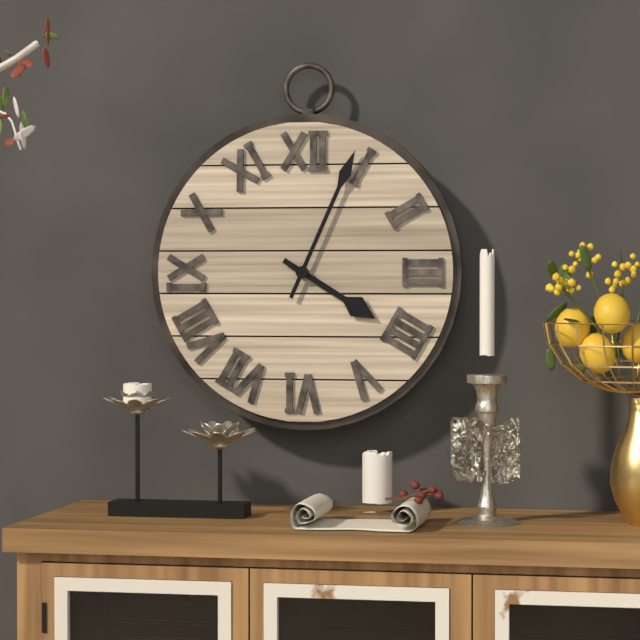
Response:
{"hour": 4, "minute": 4}
